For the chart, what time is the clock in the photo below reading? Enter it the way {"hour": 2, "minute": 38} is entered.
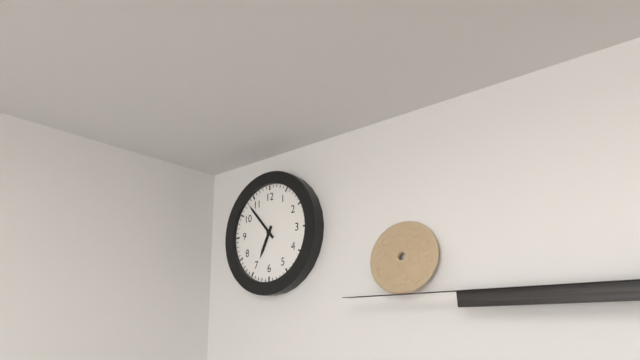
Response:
{"hour": 6, "minute": 53}
